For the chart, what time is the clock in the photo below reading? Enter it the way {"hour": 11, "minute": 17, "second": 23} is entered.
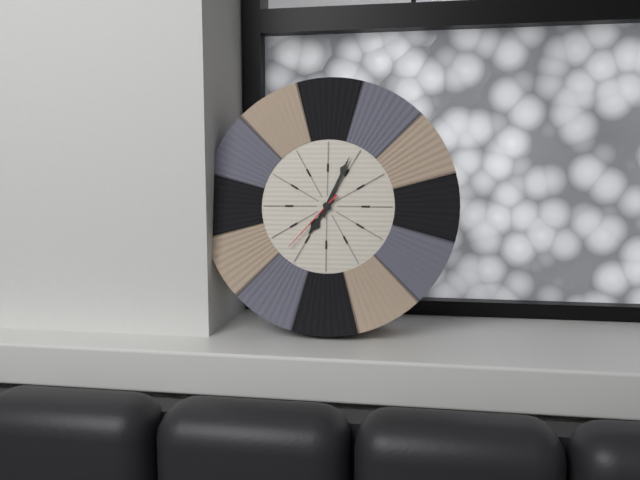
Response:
{"hour": 7, "minute": 4, "second": 37}
